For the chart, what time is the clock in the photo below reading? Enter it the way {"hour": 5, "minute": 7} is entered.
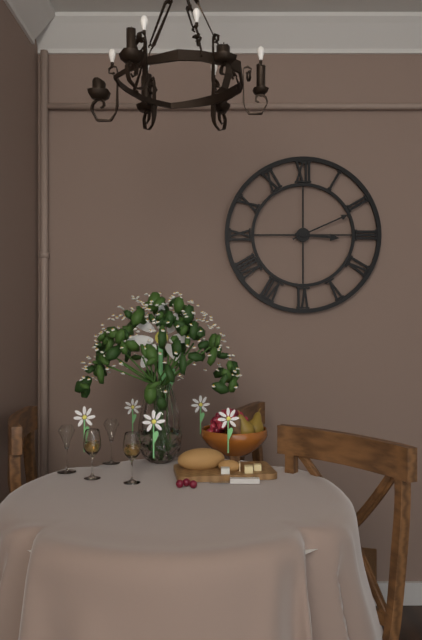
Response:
{"hour": 3, "minute": 11}
